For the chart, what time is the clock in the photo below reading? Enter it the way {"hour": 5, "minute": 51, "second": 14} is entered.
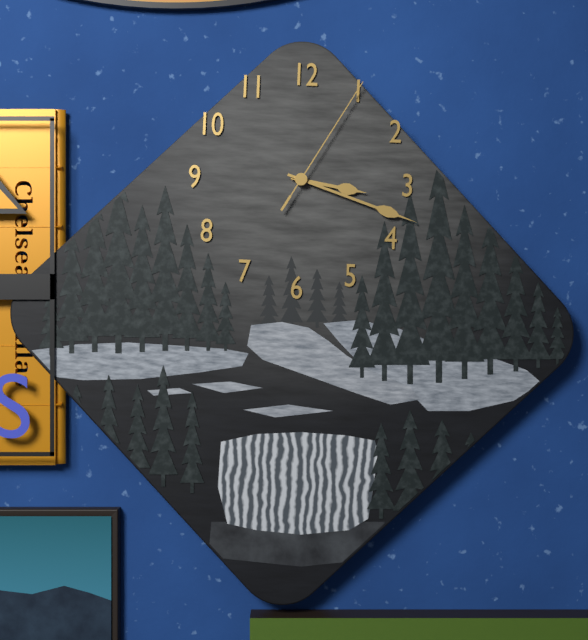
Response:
{"hour": 3, "minute": 18, "second": 5}
